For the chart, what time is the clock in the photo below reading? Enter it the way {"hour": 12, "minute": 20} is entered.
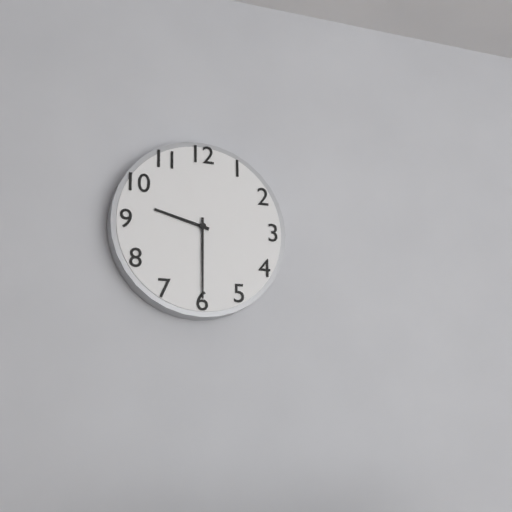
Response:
{"hour": 9, "minute": 30}
